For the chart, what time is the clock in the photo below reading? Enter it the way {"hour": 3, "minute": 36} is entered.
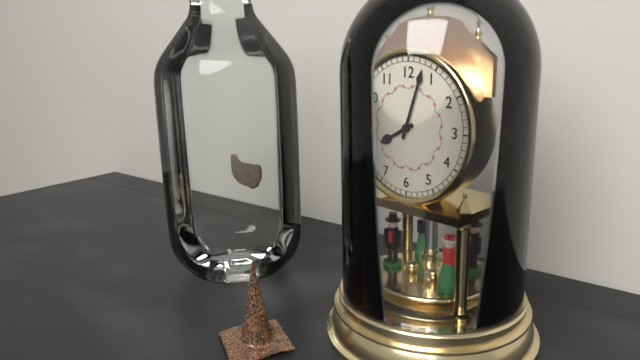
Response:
{"hour": 8, "minute": 3}
